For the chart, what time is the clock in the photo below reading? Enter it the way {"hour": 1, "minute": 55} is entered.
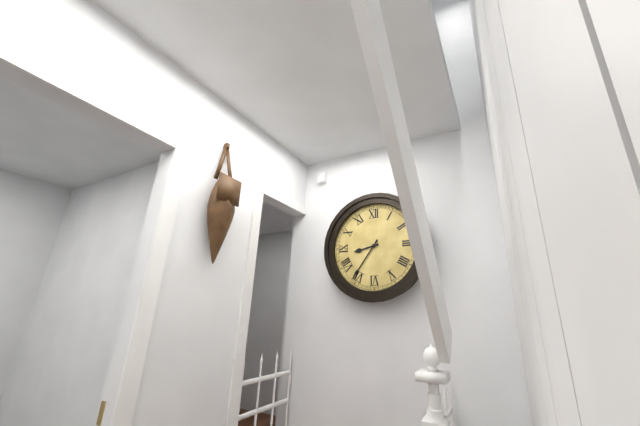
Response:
{"hour": 8, "minute": 36}
